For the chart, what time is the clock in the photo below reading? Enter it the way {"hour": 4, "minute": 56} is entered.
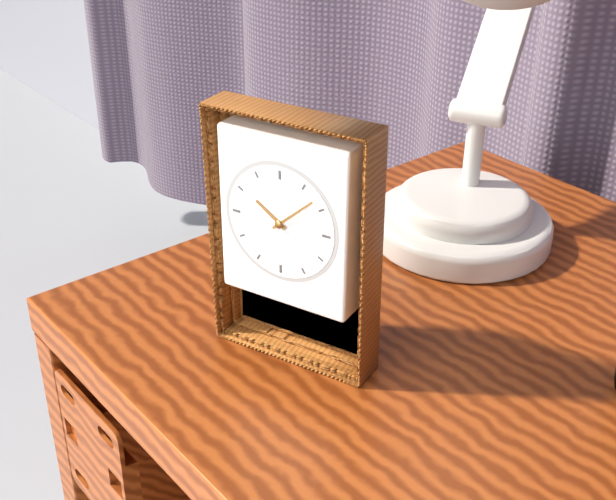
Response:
{"hour": 10, "minute": 8}
